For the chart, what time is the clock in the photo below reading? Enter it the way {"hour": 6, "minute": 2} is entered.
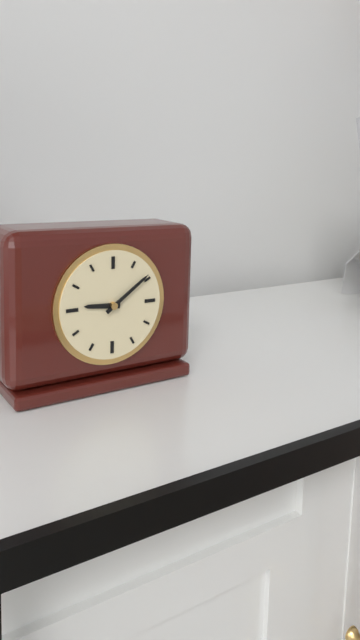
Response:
{"hour": 9, "minute": 9}
